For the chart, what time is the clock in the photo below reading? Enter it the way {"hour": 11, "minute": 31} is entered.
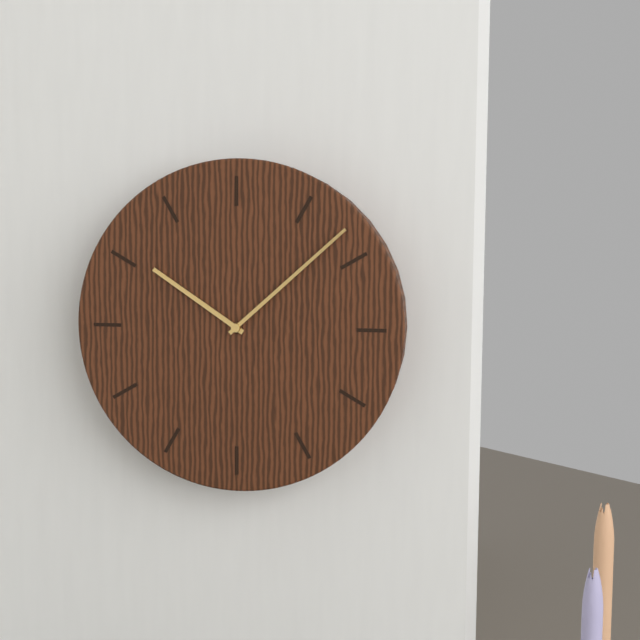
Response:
{"hour": 10, "minute": 8}
